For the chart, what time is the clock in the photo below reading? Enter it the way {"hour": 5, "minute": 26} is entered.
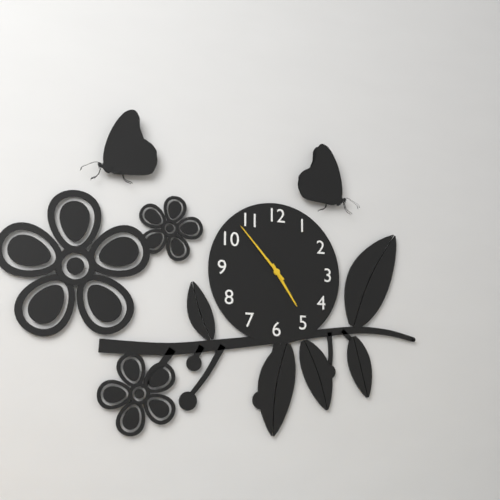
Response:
{"hour": 4, "minute": 53}
